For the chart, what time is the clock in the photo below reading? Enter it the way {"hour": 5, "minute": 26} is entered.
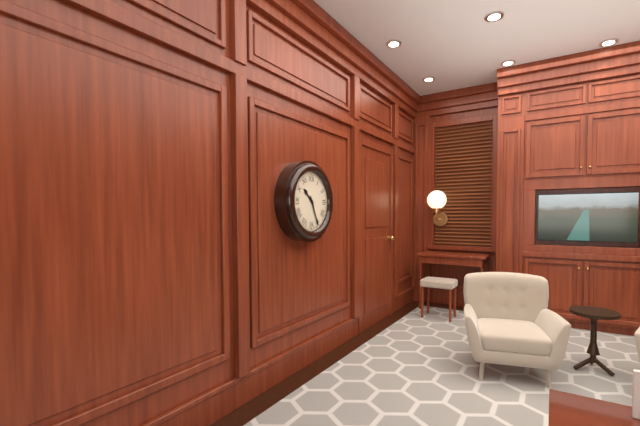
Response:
{"hour": 10, "minute": 26}
